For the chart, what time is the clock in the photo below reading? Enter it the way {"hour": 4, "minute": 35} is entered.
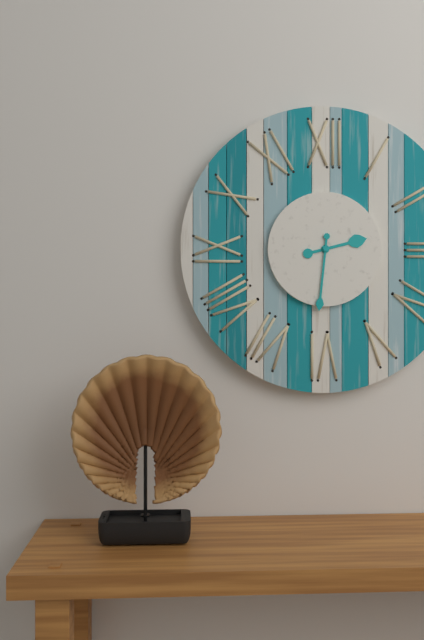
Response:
{"hour": 2, "minute": 31}
